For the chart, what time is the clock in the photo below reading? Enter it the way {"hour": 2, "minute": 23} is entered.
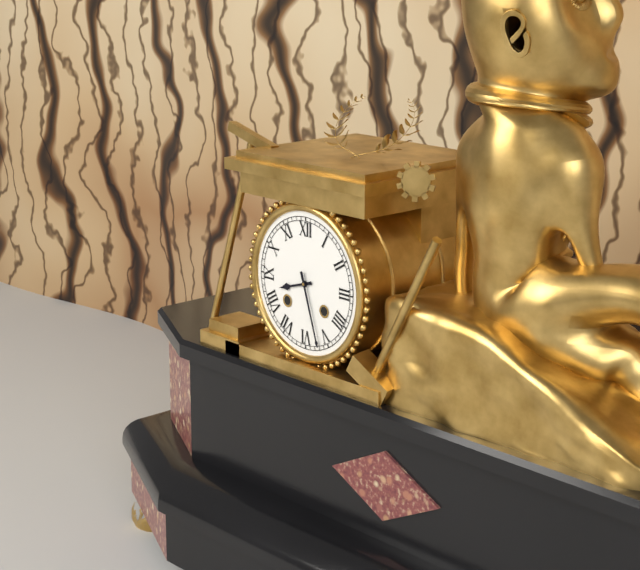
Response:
{"hour": 8, "minute": 27}
